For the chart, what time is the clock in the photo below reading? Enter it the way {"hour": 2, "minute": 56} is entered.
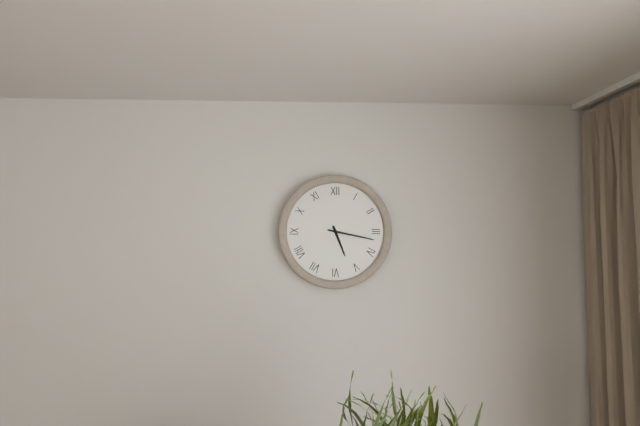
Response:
{"hour": 5, "minute": 17}
